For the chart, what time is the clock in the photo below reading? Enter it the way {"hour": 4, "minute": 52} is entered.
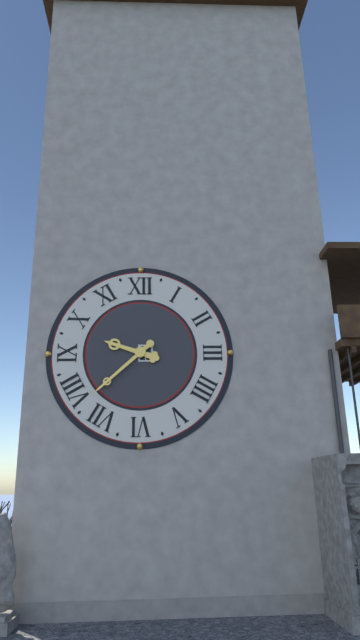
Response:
{"hour": 9, "minute": 38}
